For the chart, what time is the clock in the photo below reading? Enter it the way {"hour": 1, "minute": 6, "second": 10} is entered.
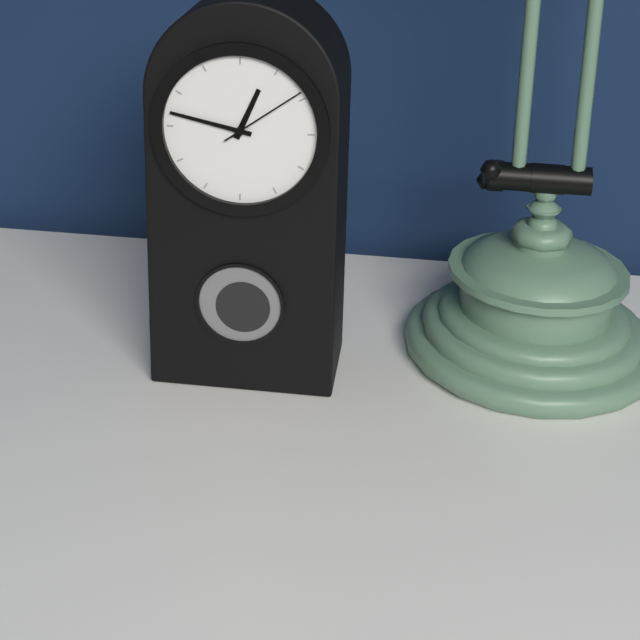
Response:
{"hour": 12, "minute": 47, "second": 9}
